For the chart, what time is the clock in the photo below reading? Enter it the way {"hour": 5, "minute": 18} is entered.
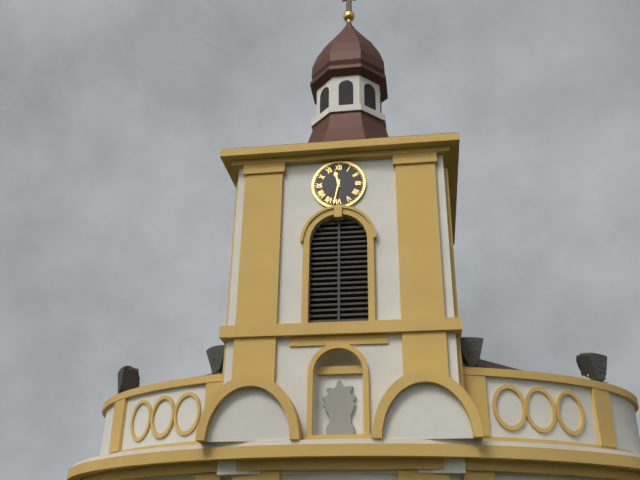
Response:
{"hour": 11, "minute": 32}
